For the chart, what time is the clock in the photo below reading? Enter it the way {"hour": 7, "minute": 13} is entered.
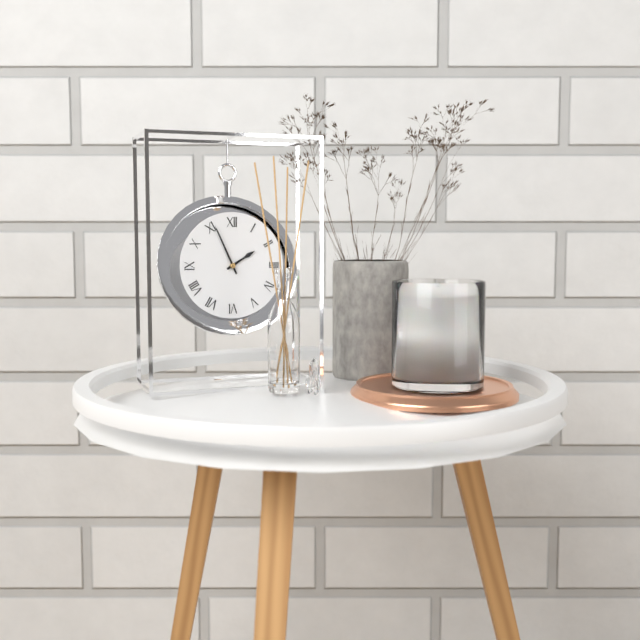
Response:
{"hour": 1, "minute": 56}
